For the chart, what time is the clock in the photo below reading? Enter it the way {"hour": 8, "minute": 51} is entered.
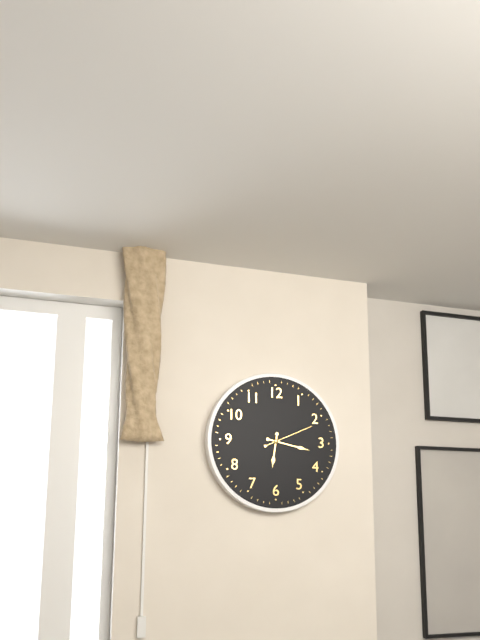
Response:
{"hour": 6, "minute": 17}
